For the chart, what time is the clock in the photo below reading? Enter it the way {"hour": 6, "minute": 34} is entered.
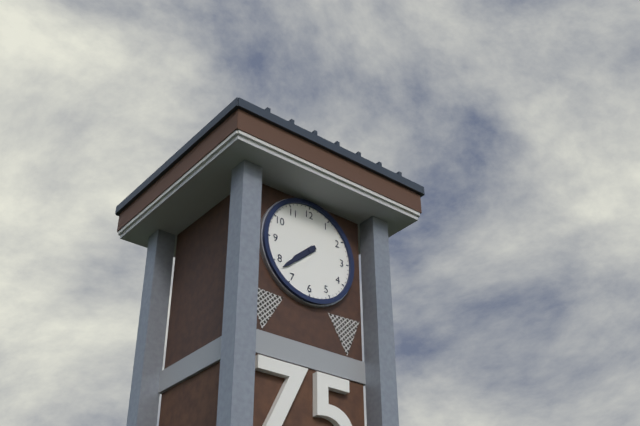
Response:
{"hour": 7, "minute": 38}
